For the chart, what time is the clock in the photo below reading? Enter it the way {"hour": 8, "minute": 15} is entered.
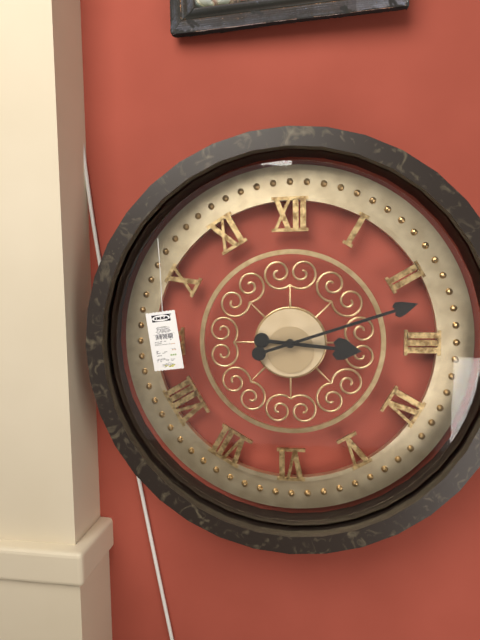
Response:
{"hour": 3, "minute": 12}
